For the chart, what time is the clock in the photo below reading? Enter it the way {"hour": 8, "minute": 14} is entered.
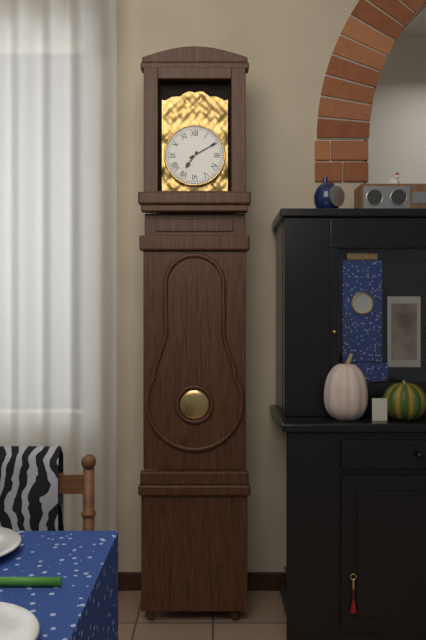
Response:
{"hour": 7, "minute": 10}
